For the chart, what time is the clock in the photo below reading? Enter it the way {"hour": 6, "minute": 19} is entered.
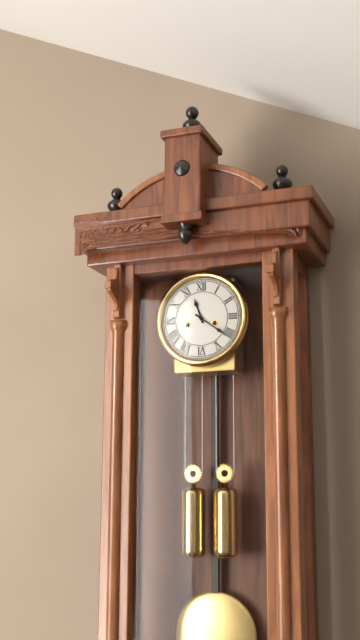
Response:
{"hour": 11, "minute": 21}
